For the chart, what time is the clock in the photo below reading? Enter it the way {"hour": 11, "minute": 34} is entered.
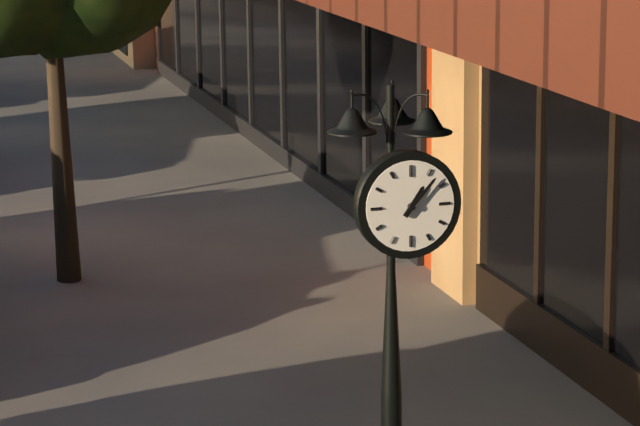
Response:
{"hour": 1, "minute": 7}
